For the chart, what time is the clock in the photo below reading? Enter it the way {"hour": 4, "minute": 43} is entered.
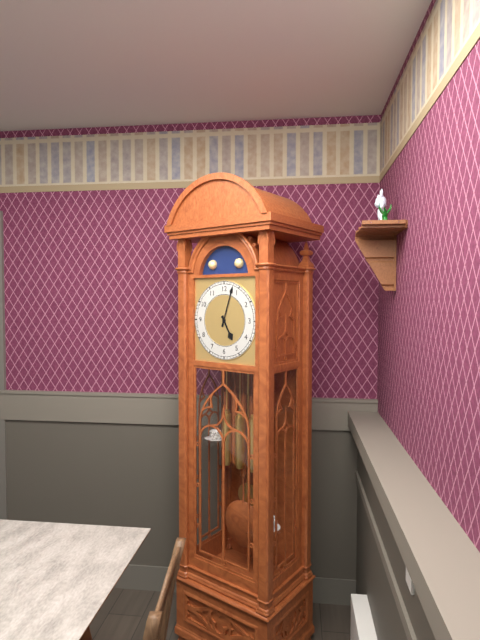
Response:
{"hour": 5, "minute": 3}
